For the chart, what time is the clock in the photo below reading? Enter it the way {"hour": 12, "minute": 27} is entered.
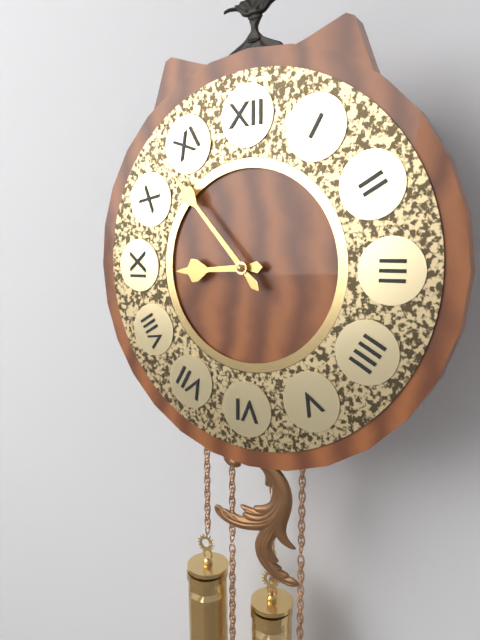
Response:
{"hour": 8, "minute": 53}
